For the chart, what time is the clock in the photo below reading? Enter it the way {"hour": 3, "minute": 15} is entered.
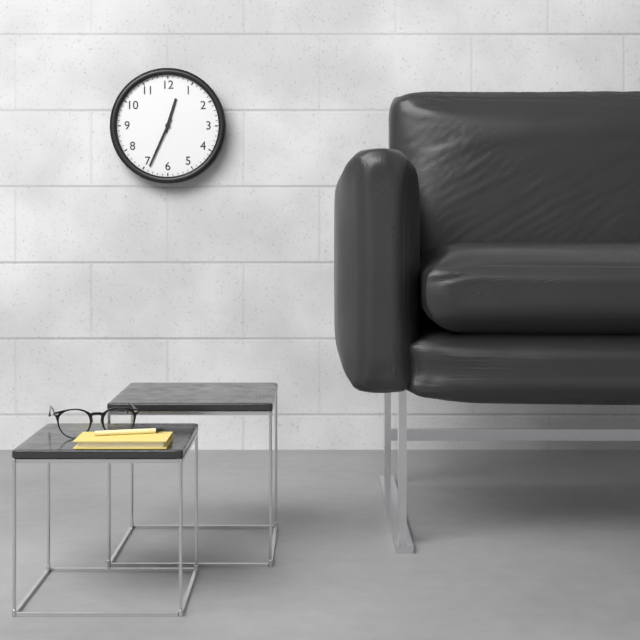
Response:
{"hour": 12, "minute": 34}
